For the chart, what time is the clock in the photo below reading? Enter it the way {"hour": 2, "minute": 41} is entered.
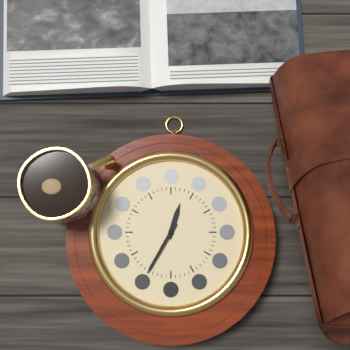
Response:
{"hour": 12, "minute": 35}
